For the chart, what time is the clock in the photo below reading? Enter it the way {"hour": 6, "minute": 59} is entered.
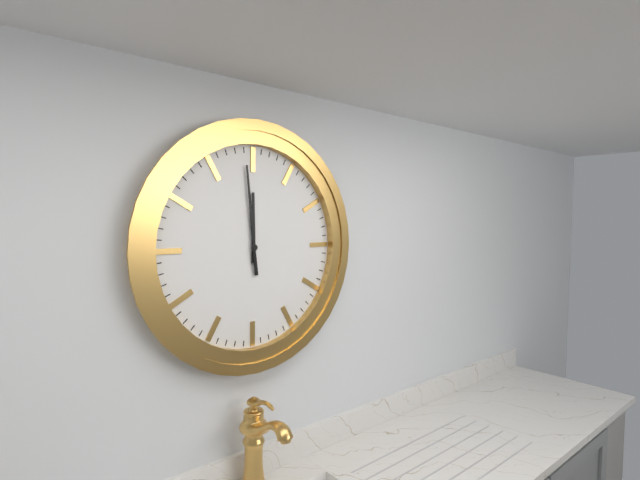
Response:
{"hour": 11, "minute": 59}
